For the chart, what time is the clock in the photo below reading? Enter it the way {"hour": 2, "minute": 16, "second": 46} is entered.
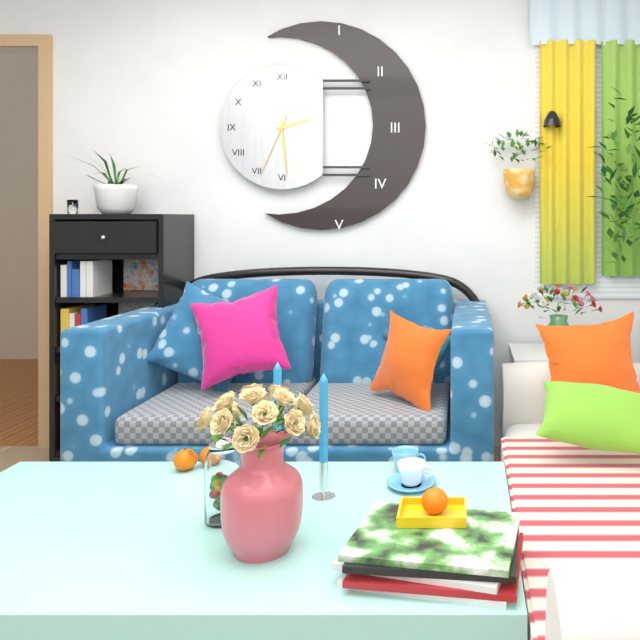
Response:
{"hour": 2, "minute": 29, "second": 34}
